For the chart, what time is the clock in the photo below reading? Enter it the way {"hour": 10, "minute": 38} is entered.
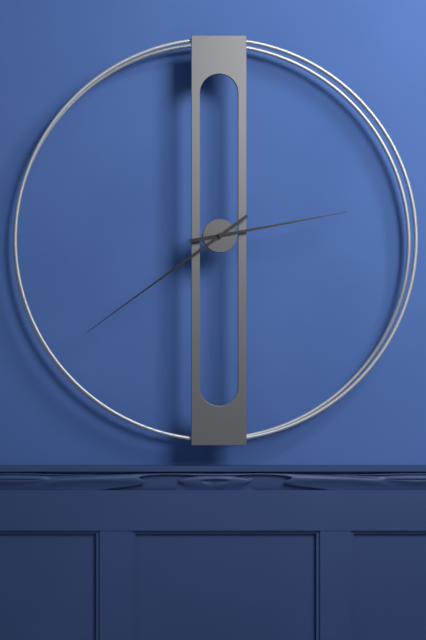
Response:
{"hour": 2, "minute": 39}
